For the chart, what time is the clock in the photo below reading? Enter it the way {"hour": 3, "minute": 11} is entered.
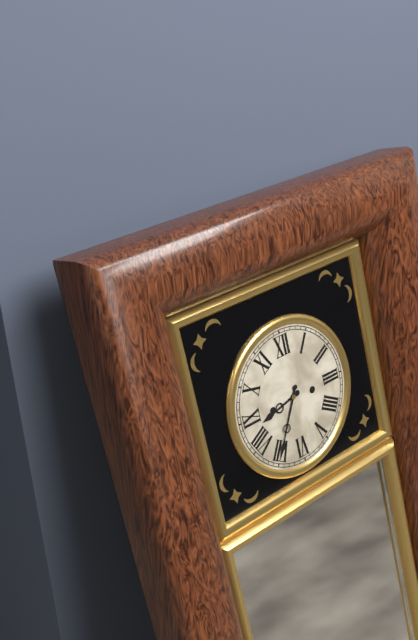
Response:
{"hour": 8, "minute": 35}
